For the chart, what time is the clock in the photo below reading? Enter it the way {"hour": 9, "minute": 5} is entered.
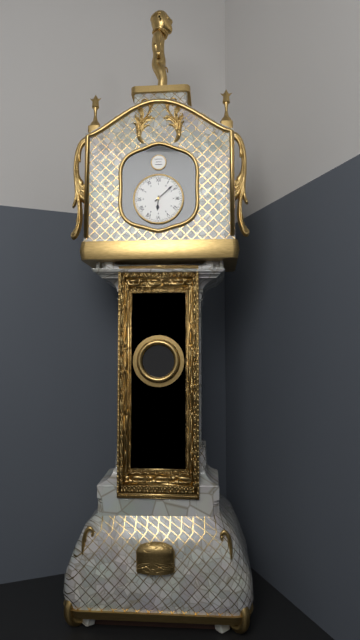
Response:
{"hour": 6, "minute": 8}
